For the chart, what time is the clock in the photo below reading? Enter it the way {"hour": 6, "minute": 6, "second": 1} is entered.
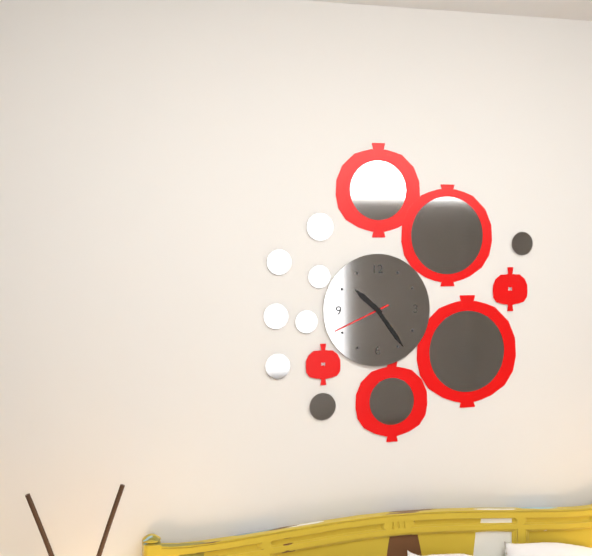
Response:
{"hour": 10, "minute": 24, "second": 41}
